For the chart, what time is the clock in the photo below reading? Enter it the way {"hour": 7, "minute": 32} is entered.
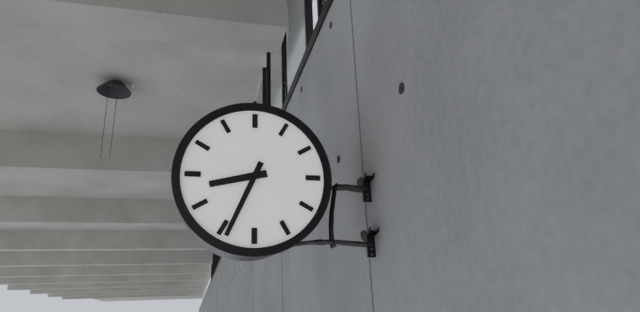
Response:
{"hour": 8, "minute": 34}
